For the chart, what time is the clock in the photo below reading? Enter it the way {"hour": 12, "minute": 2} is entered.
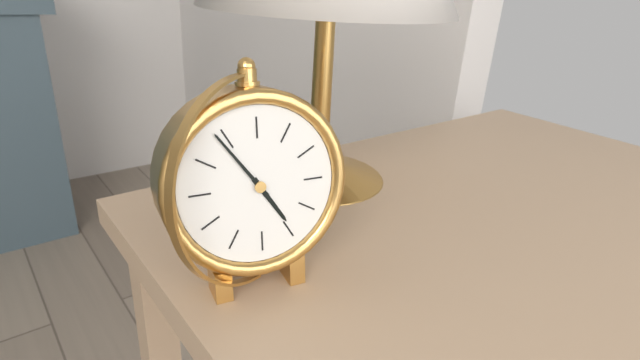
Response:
{"hour": 4, "minute": 54}
